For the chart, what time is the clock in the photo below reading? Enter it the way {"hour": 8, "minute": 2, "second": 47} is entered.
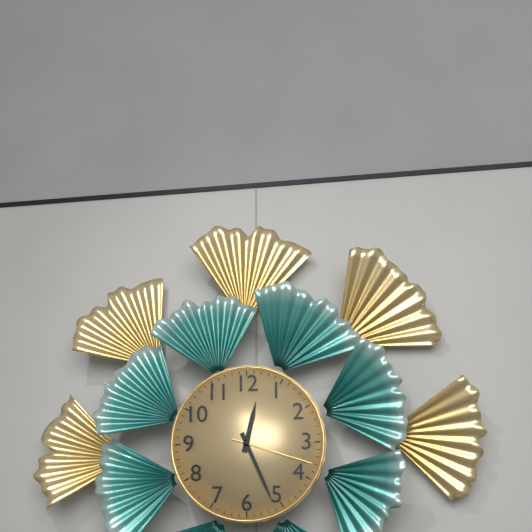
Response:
{"hour": 12, "minute": 26, "second": 18}
